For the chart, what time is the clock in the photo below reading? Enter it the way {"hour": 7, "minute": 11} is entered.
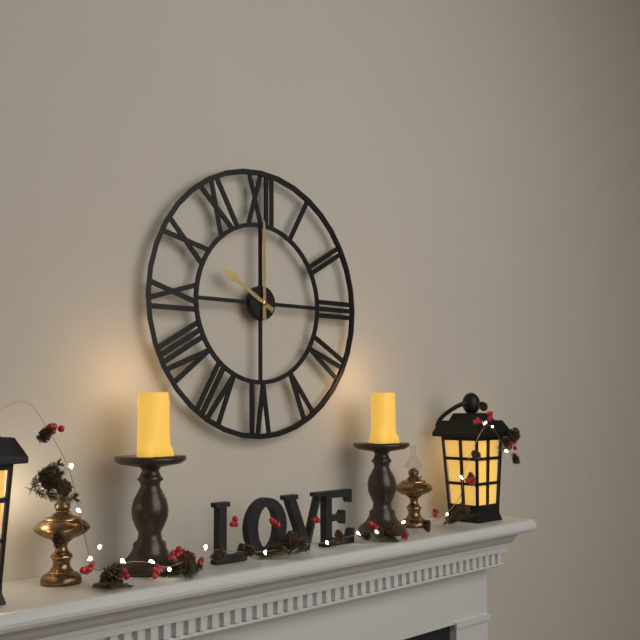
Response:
{"hour": 10, "minute": 0}
